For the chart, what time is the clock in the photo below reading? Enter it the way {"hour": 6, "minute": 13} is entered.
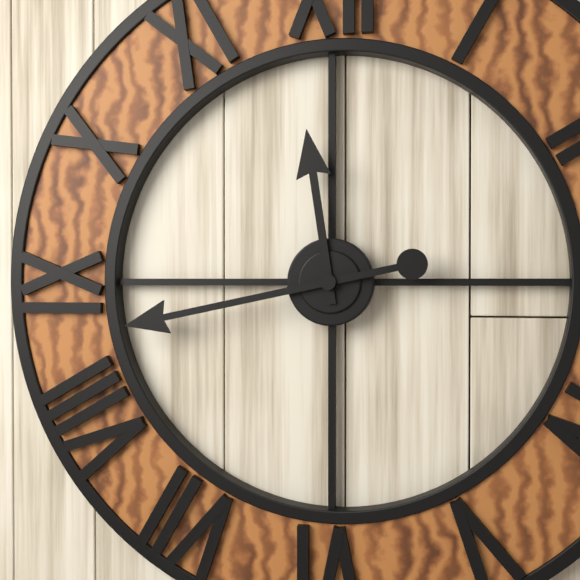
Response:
{"hour": 11, "minute": 43}
